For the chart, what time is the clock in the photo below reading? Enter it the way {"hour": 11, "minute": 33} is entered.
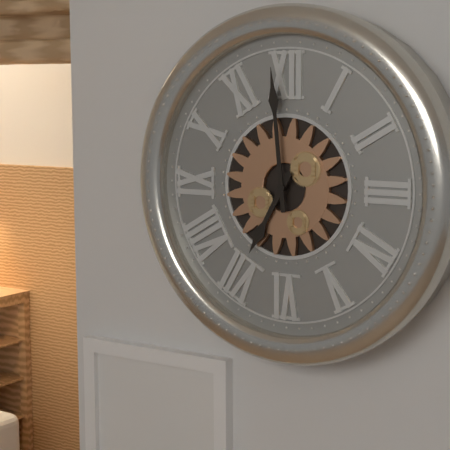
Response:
{"hour": 6, "minute": 59}
